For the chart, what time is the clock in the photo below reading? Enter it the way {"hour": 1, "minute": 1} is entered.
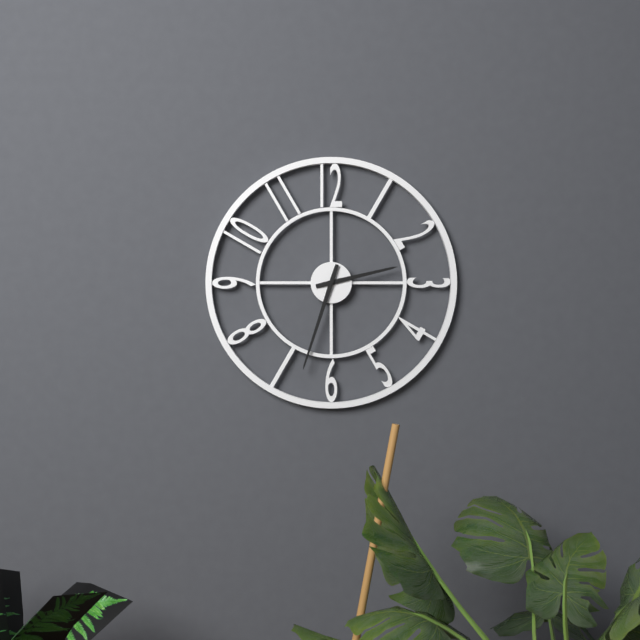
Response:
{"hour": 2, "minute": 33}
